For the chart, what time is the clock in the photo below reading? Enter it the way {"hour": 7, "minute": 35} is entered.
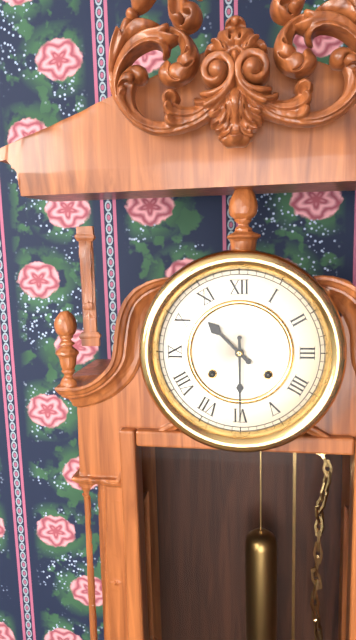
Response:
{"hour": 10, "minute": 30}
